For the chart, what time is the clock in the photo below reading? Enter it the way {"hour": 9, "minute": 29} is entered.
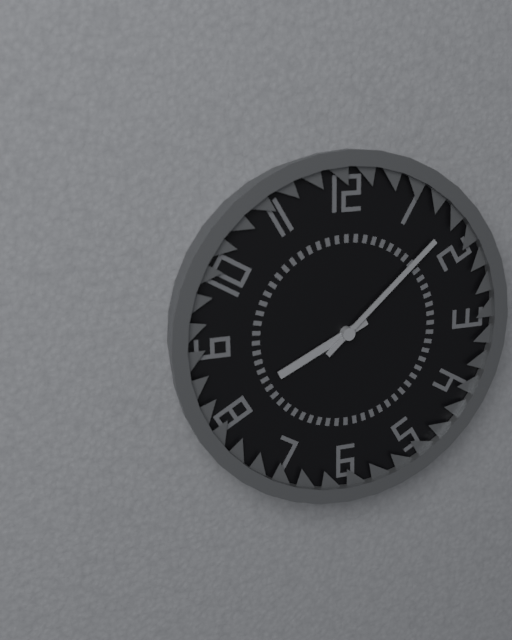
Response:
{"hour": 8, "minute": 8}
